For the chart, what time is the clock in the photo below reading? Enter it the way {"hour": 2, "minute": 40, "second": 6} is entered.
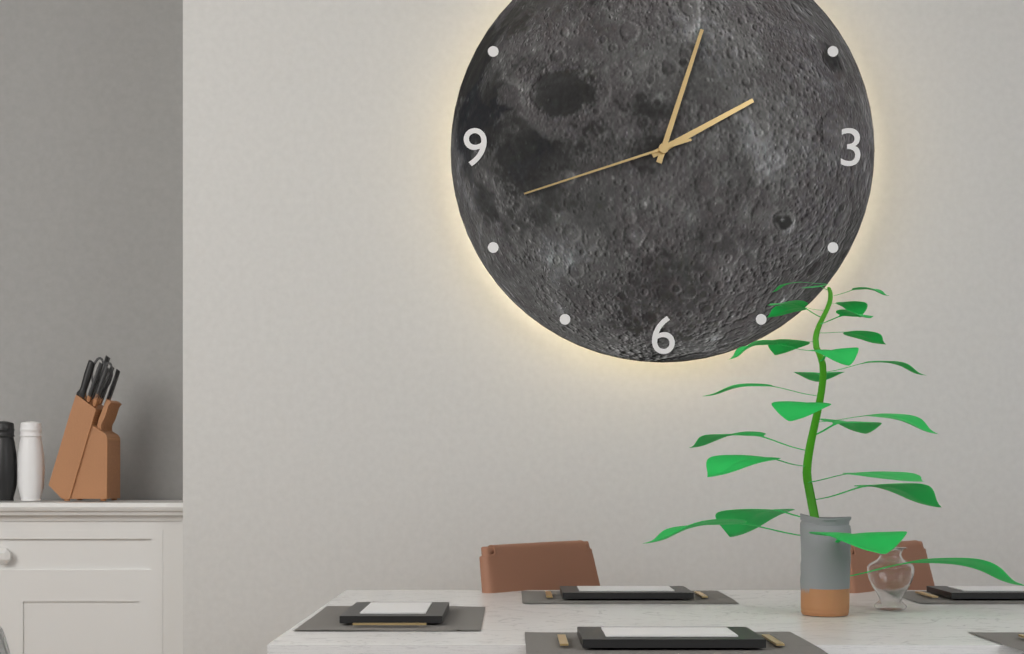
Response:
{"hour": 2, "minute": 3, "second": 42}
